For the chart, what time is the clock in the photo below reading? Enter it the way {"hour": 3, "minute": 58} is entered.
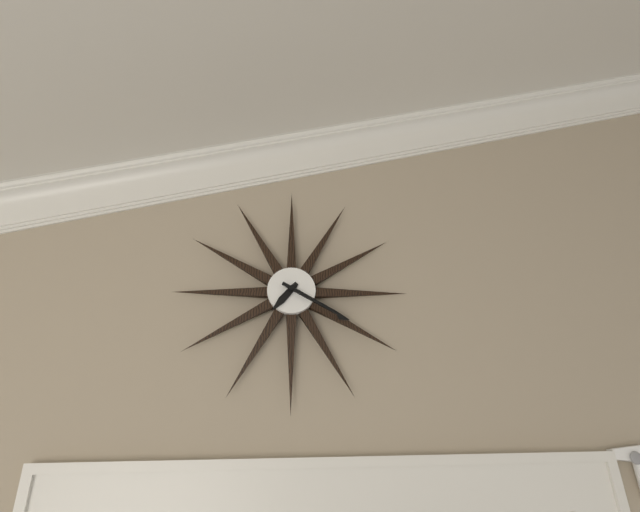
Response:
{"hour": 7, "minute": 20}
